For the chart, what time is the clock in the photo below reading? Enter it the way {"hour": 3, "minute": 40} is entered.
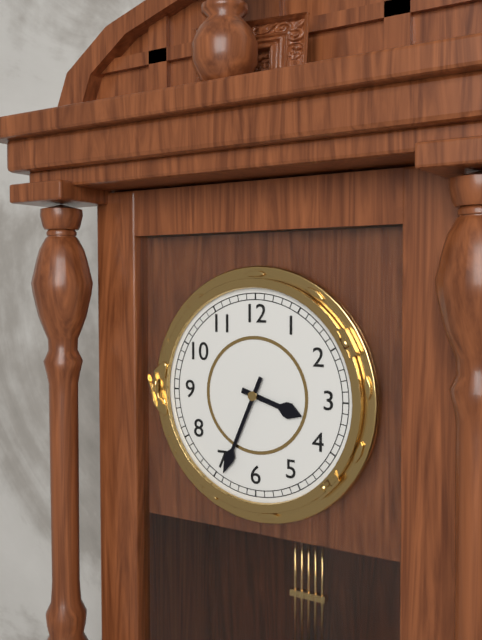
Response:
{"hour": 3, "minute": 34}
